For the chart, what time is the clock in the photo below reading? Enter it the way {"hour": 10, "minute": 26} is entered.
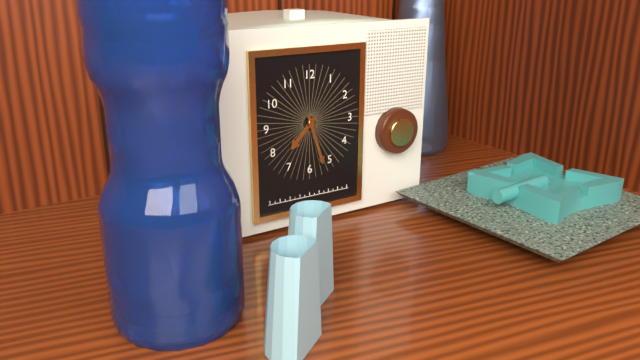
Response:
{"hour": 7, "minute": 27}
